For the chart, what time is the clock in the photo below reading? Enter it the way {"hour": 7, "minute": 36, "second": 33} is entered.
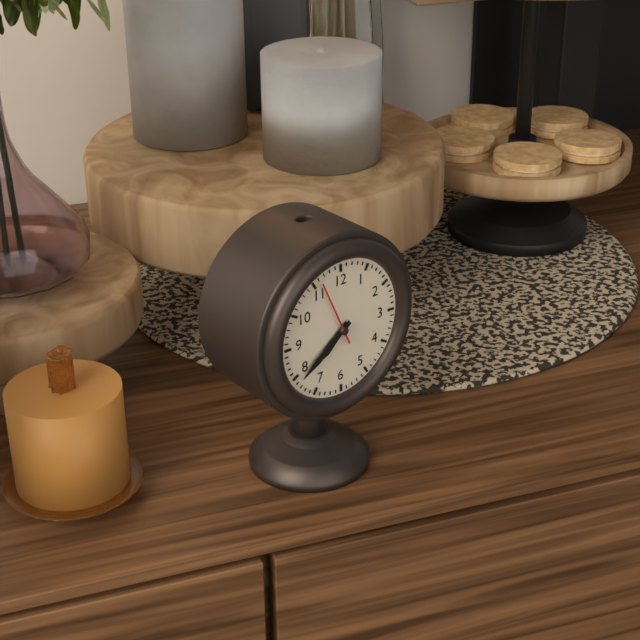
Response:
{"hour": 7, "minute": 39, "second": 56}
